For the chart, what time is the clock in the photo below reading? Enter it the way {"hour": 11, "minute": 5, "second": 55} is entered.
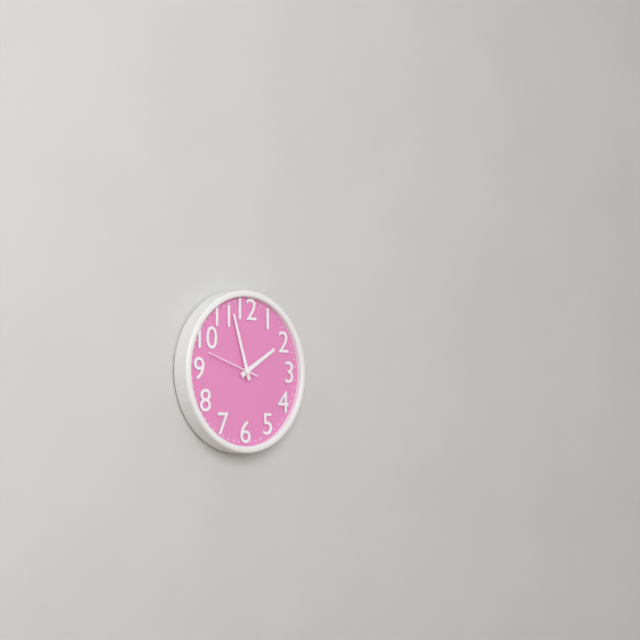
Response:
{"hour": 1, "minute": 57, "second": 48}
